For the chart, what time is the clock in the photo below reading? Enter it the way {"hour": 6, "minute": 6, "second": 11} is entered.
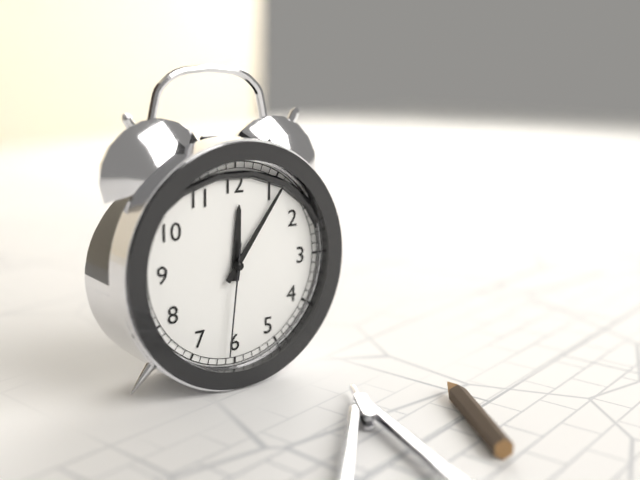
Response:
{"hour": 12, "minute": 6, "second": 31}
